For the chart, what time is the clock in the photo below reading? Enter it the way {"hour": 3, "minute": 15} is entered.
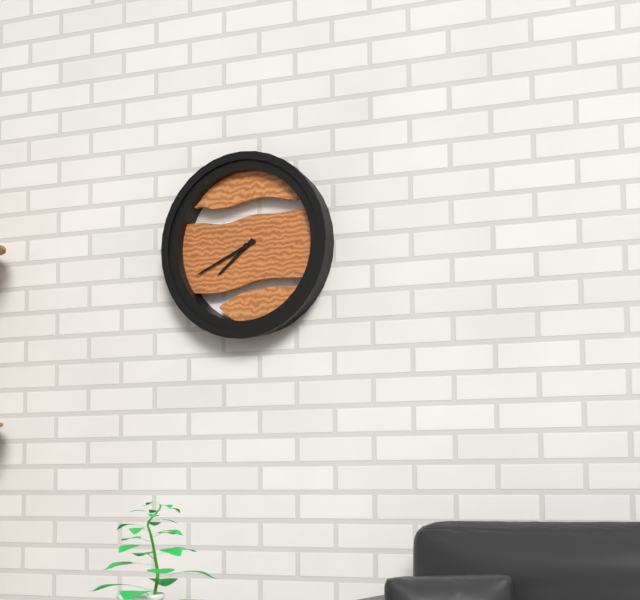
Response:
{"hour": 7, "minute": 41}
